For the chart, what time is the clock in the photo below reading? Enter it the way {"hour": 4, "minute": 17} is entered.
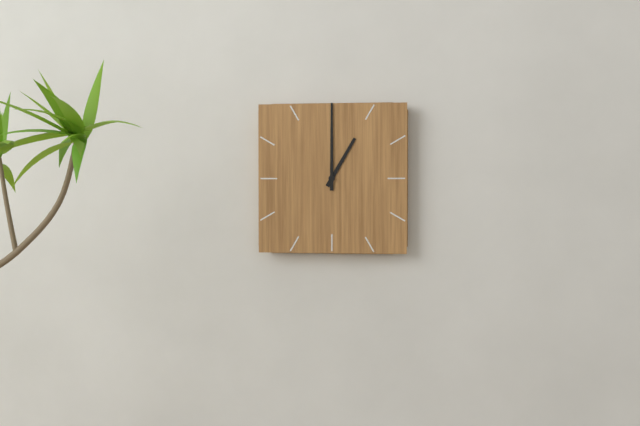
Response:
{"hour": 1, "minute": 0}
